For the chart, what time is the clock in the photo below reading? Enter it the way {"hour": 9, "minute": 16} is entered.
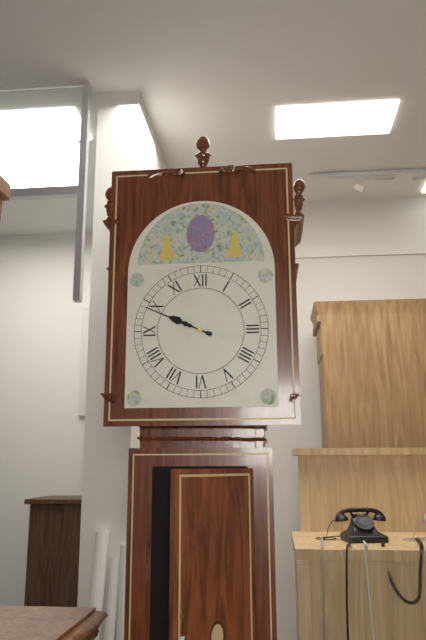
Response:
{"hour": 9, "minute": 49}
